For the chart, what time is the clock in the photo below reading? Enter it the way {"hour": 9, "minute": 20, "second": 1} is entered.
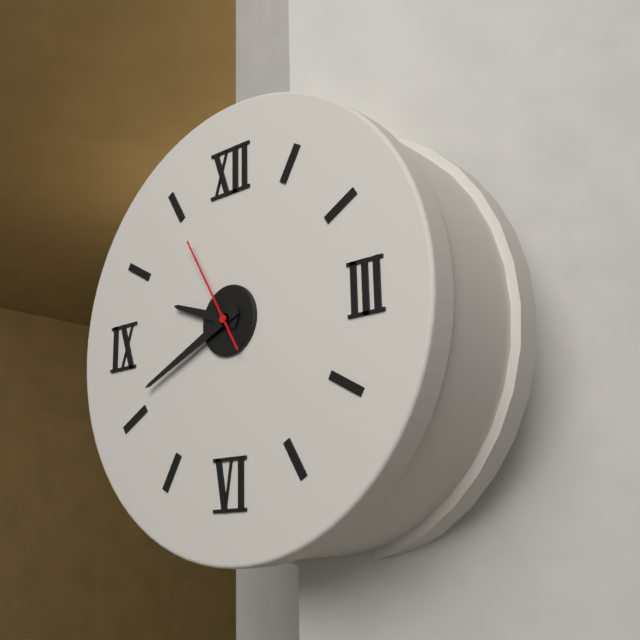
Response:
{"hour": 9, "minute": 41, "second": 55}
